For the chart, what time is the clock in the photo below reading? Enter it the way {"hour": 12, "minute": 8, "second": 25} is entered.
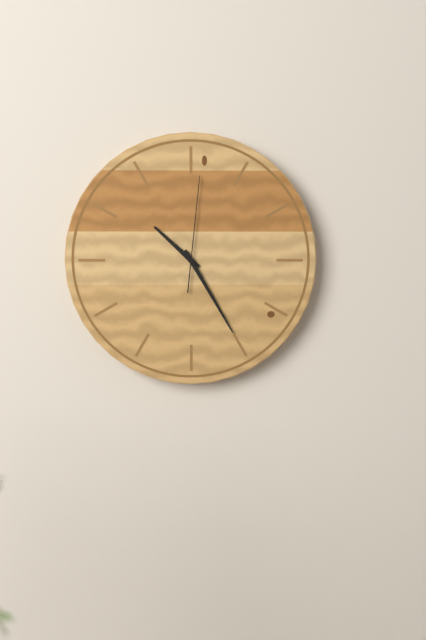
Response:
{"hour": 10, "minute": 25, "second": 1}
